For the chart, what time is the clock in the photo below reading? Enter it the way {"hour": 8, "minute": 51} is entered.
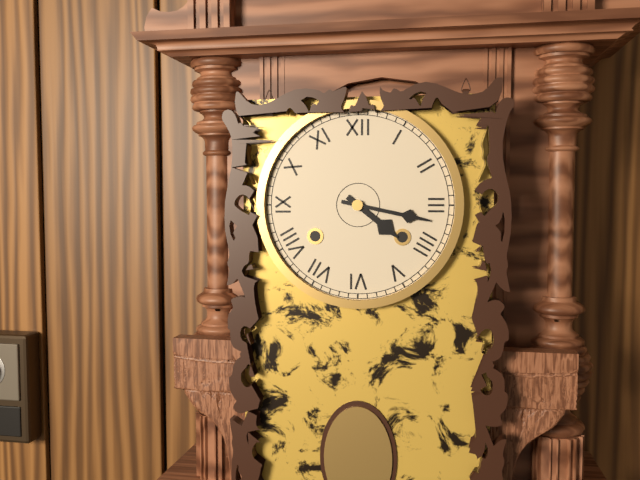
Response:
{"hour": 4, "minute": 17}
